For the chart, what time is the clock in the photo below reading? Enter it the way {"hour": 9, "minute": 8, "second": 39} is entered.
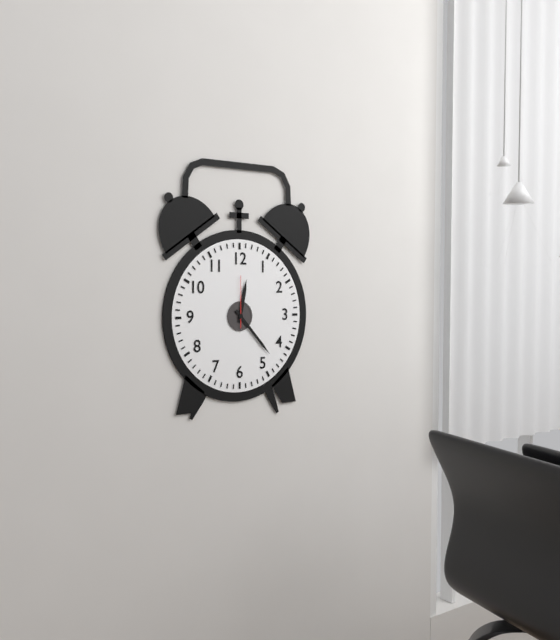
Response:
{"hour": 12, "minute": 23, "second": 0}
